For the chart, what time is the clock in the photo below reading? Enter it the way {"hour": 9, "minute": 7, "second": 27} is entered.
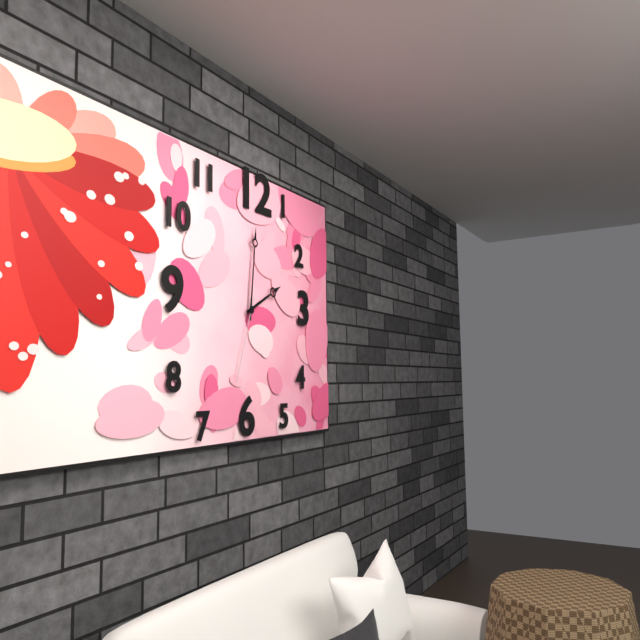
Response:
{"hour": 2, "minute": 1, "second": 33}
